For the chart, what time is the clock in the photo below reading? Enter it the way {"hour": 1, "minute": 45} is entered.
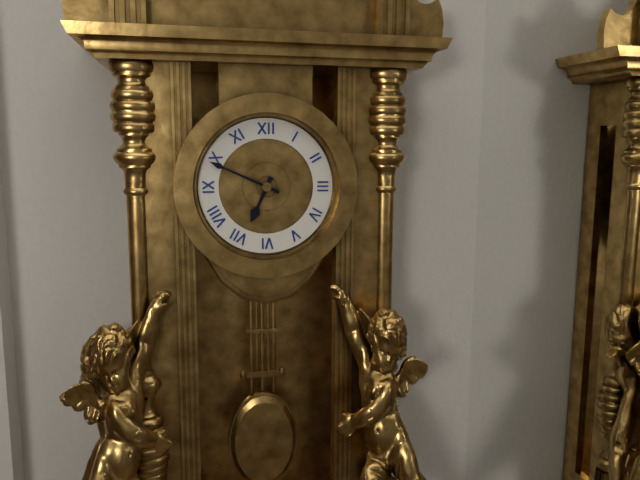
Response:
{"hour": 6, "minute": 49}
